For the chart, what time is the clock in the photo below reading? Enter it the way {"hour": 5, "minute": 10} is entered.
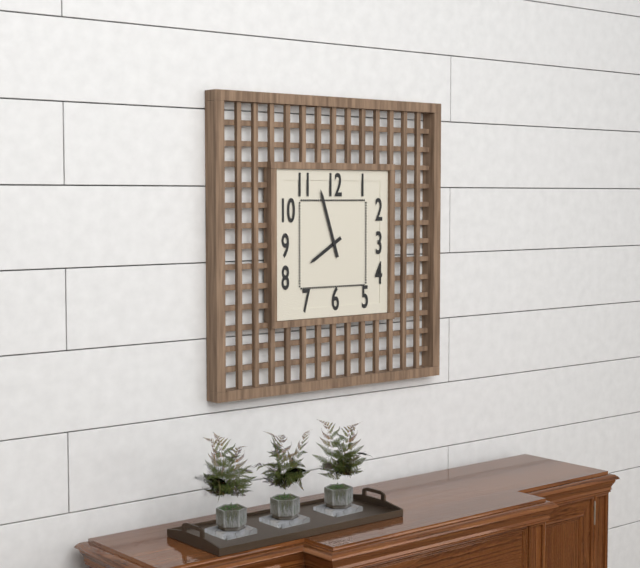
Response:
{"hour": 7, "minute": 57}
